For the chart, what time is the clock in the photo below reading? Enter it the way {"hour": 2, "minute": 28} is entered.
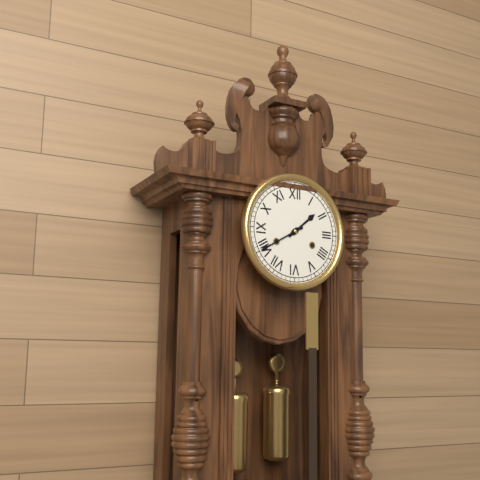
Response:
{"hour": 1, "minute": 40}
